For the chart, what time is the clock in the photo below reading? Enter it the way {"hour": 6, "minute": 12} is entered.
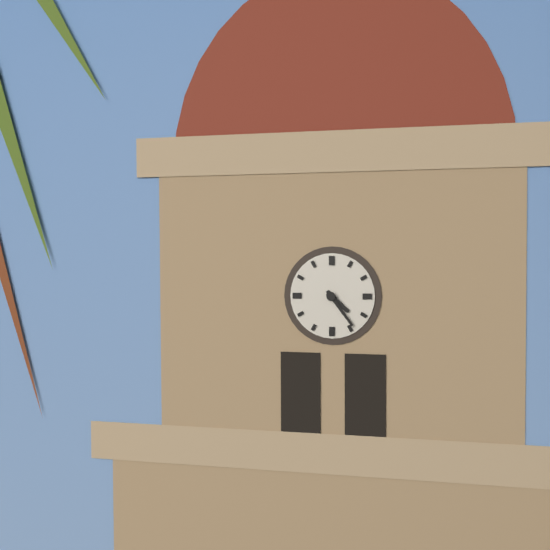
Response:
{"hour": 4, "minute": 24}
